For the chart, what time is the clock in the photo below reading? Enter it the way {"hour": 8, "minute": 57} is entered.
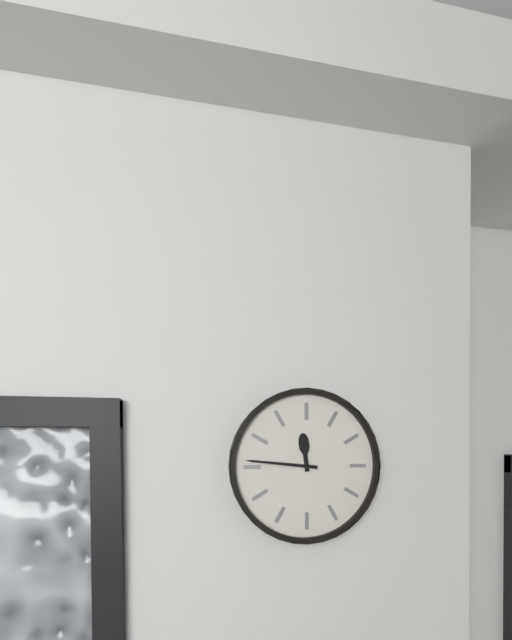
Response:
{"hour": 11, "minute": 46}
